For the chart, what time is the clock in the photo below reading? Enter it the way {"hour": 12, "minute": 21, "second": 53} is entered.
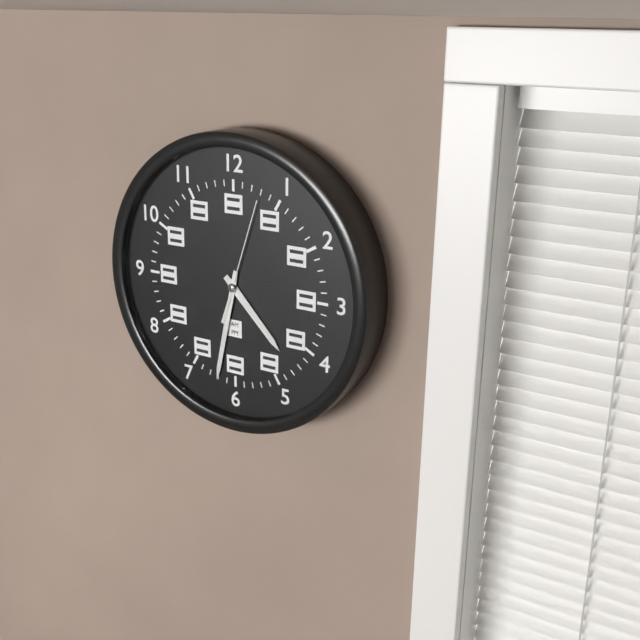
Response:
{"hour": 4, "minute": 32, "second": 3}
